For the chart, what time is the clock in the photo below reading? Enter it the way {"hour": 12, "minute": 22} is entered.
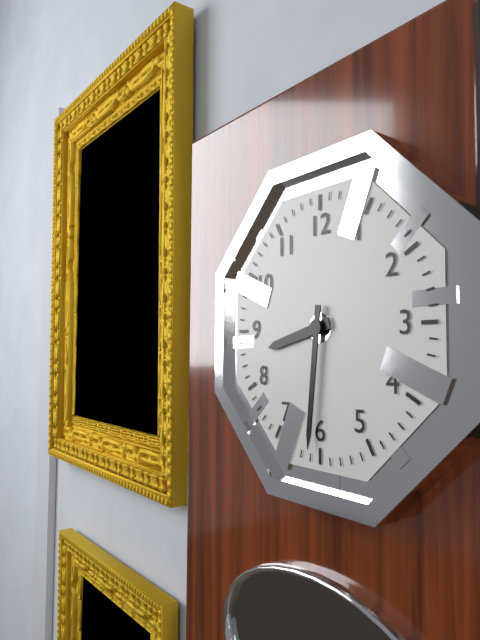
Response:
{"hour": 8, "minute": 31}
